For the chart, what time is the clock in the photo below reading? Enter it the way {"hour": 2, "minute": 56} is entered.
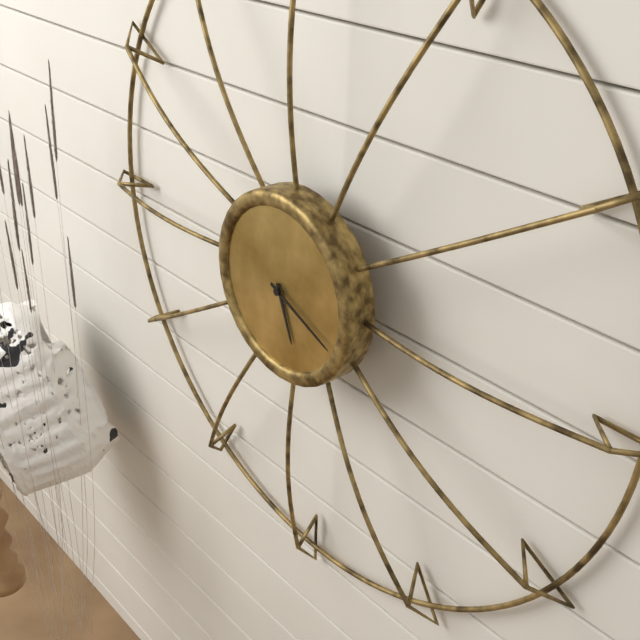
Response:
{"hour": 5, "minute": 19}
